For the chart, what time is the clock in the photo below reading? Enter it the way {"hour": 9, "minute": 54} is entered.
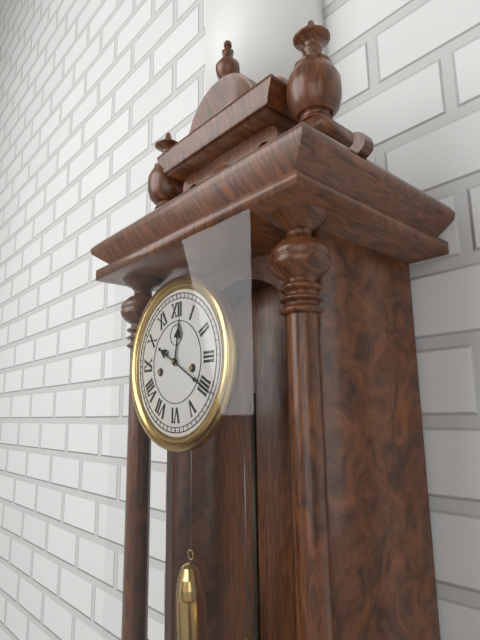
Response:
{"hour": 12, "minute": 20}
